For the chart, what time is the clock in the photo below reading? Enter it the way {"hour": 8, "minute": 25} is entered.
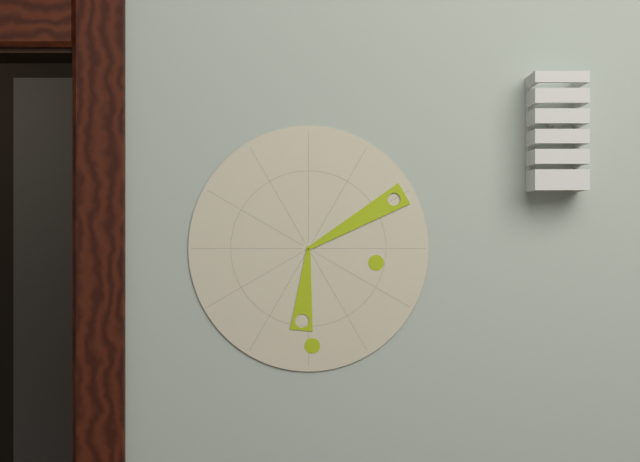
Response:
{"hour": 6, "minute": 10}
